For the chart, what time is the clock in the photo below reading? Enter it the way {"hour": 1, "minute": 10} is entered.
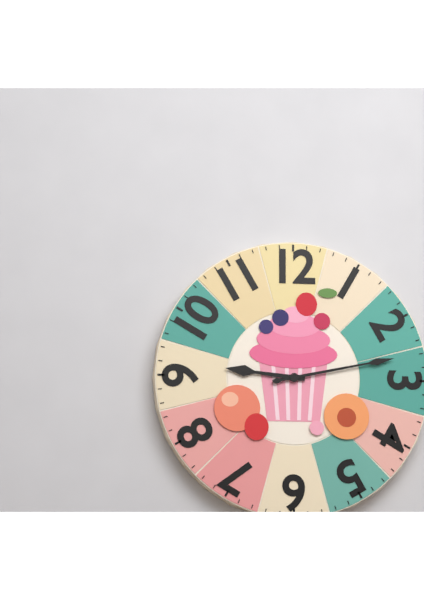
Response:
{"hour": 9, "minute": 13}
